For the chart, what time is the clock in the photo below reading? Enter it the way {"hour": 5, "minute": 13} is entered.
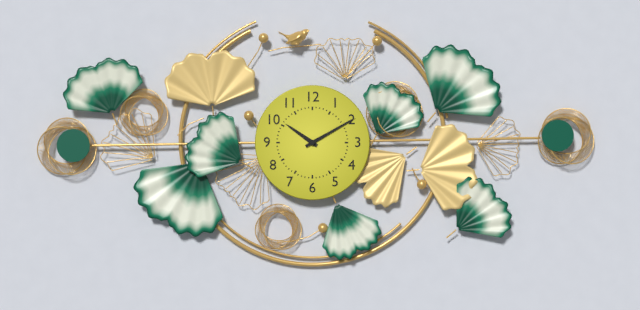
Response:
{"hour": 10, "minute": 10}
